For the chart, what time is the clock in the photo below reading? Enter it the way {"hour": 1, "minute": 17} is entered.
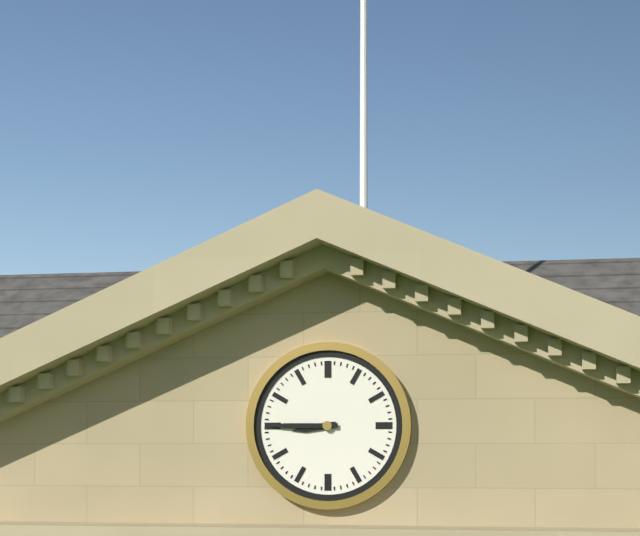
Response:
{"hour": 8, "minute": 45}
